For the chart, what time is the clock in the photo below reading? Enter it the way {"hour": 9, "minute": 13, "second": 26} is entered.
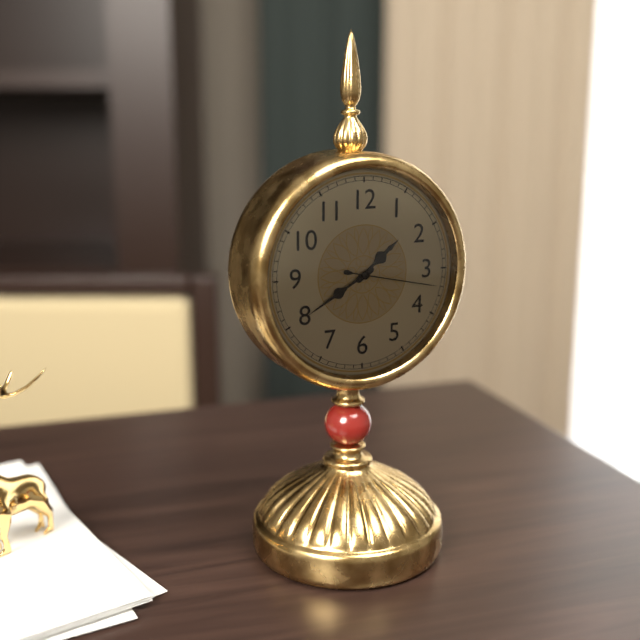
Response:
{"hour": 1, "minute": 40, "second": 17}
